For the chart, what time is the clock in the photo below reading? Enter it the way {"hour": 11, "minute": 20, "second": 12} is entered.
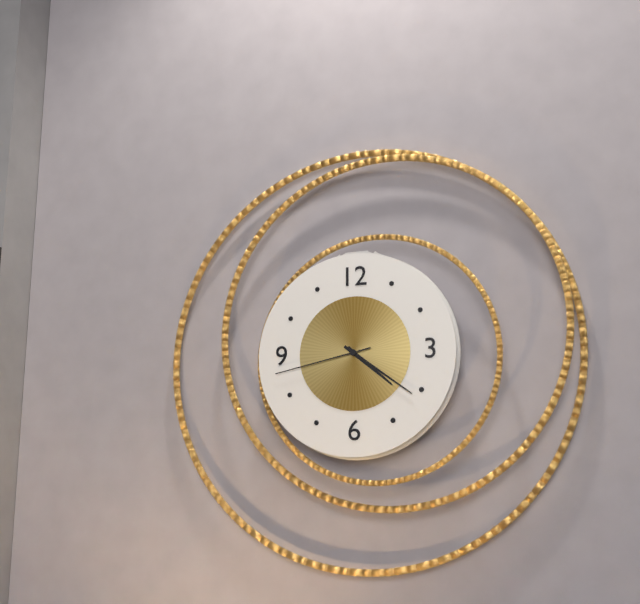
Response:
{"hour": 4, "minute": 21, "second": 43}
